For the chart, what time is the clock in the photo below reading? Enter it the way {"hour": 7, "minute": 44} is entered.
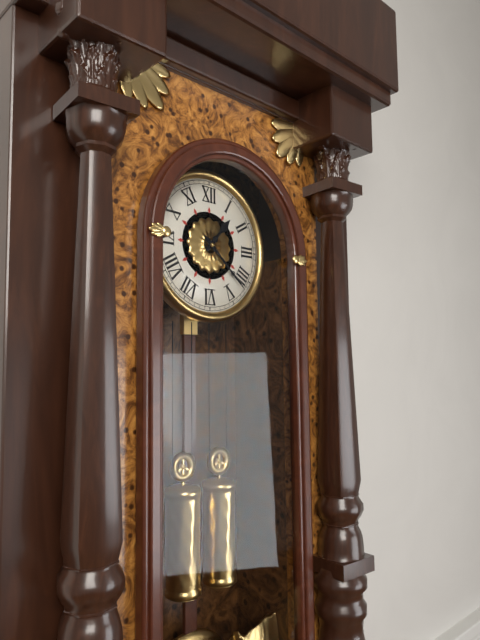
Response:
{"hour": 1, "minute": 22}
